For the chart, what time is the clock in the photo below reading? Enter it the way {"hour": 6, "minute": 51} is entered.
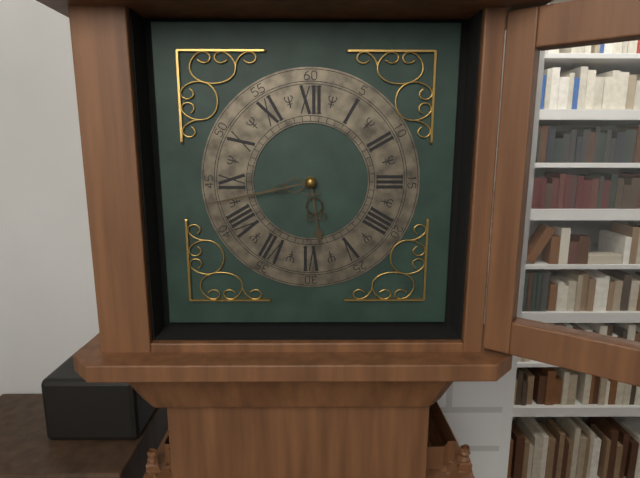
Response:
{"hour": 5, "minute": 43}
